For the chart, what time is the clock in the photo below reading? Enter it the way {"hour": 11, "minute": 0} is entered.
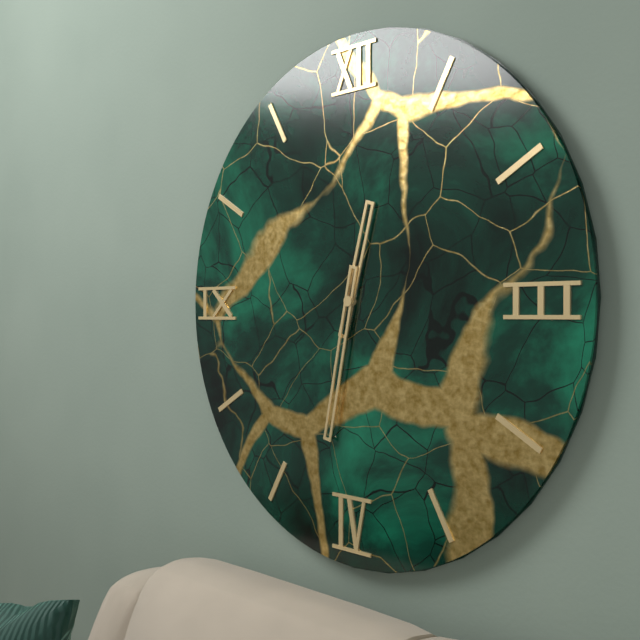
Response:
{"hour": 12, "minute": 32}
